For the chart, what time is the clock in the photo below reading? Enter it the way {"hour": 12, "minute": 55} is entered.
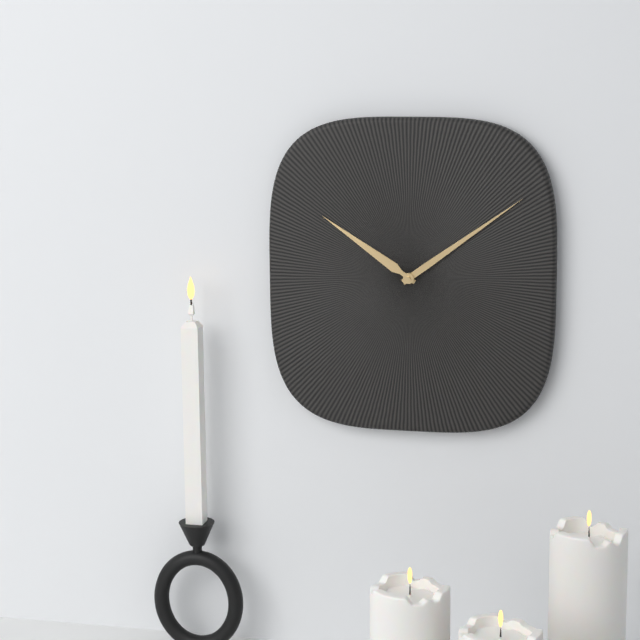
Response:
{"hour": 10, "minute": 9}
